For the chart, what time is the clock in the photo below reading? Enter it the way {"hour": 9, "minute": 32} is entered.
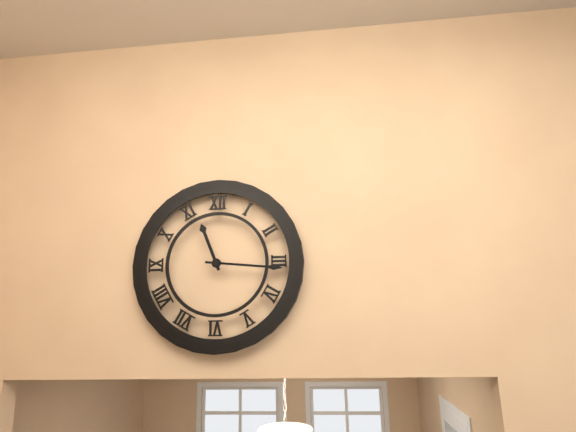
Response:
{"hour": 11, "minute": 16}
